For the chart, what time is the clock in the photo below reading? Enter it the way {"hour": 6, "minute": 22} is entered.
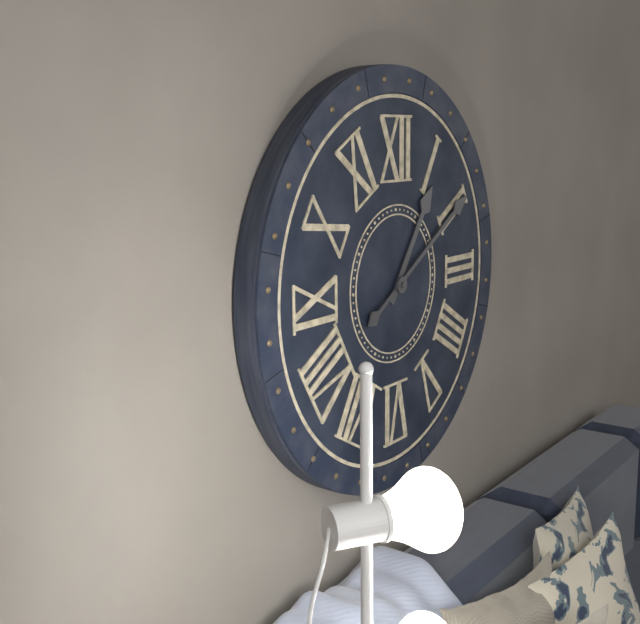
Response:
{"hour": 1, "minute": 10}
